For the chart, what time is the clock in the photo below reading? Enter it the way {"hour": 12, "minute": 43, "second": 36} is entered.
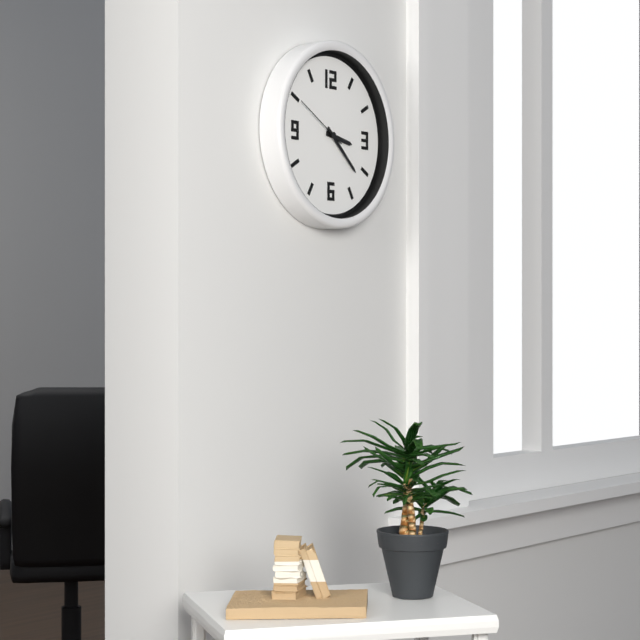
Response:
{"hour": 3, "minute": 22, "second": 50}
